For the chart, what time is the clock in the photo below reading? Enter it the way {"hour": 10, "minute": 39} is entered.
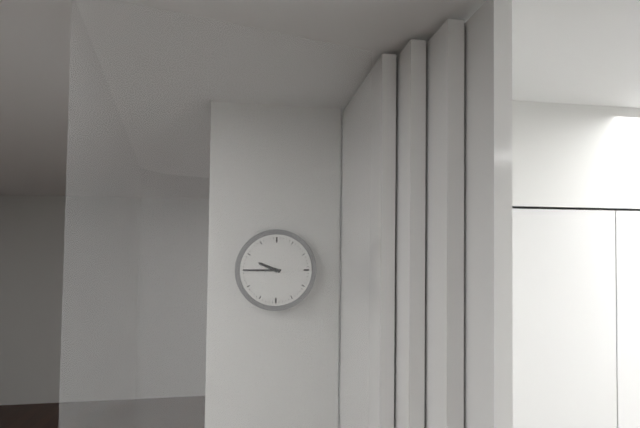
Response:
{"hour": 9, "minute": 45}
